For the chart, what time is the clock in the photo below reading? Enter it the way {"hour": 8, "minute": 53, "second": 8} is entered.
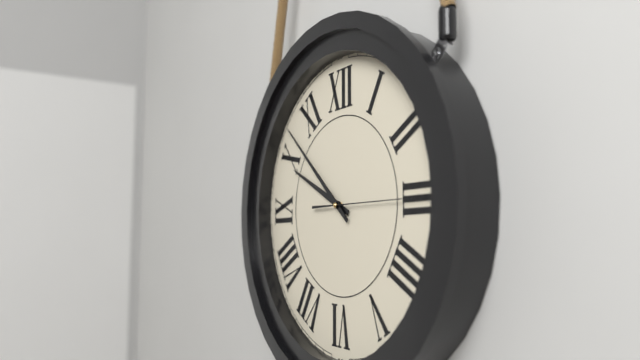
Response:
{"hour": 9, "minute": 52, "second": 15}
